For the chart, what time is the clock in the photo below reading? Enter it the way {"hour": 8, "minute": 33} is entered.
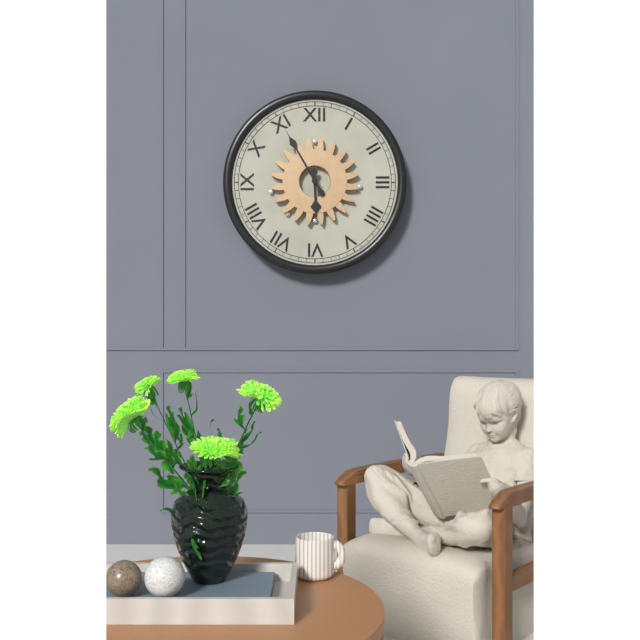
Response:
{"hour": 5, "minute": 55}
